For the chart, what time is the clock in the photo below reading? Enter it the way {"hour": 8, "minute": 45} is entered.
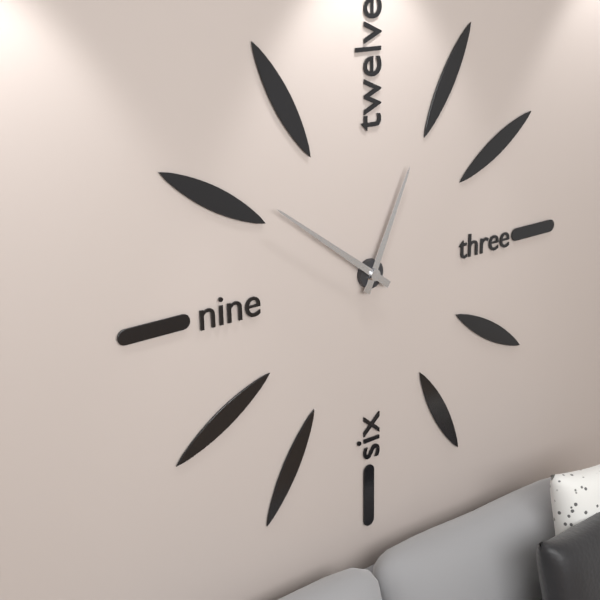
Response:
{"hour": 12, "minute": 51}
